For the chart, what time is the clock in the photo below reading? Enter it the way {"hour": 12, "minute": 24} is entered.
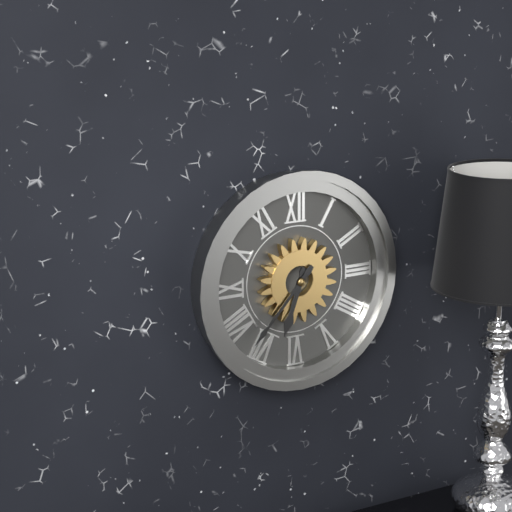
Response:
{"hour": 6, "minute": 37}
